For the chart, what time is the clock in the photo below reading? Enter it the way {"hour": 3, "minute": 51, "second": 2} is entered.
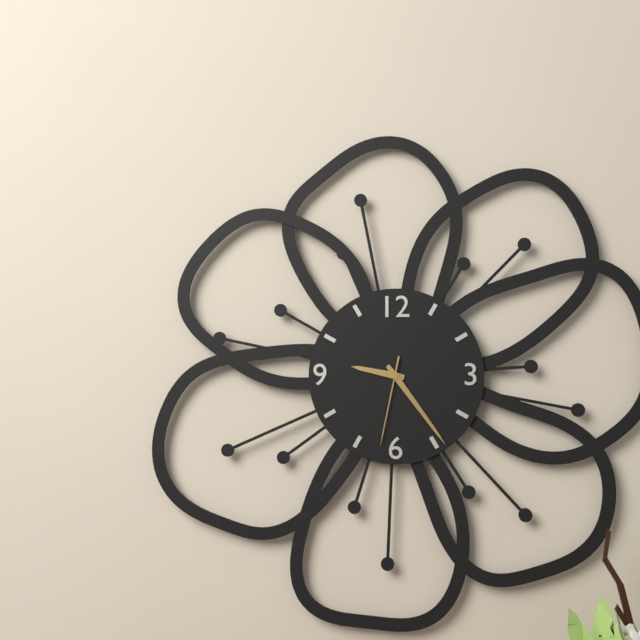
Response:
{"hour": 9, "minute": 24, "second": 32}
